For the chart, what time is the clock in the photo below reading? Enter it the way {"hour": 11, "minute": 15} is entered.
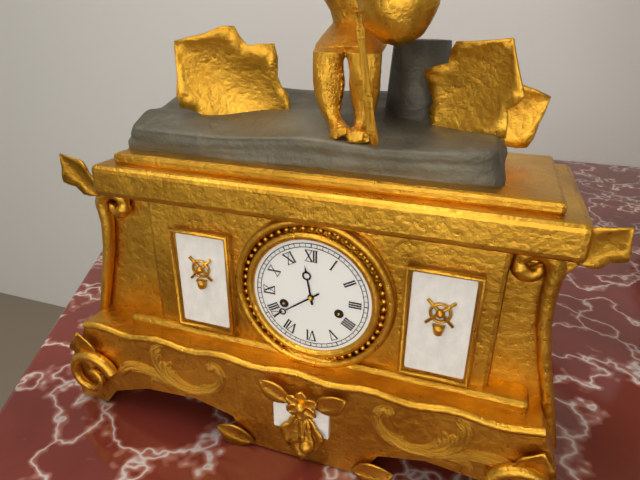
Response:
{"hour": 11, "minute": 39}
